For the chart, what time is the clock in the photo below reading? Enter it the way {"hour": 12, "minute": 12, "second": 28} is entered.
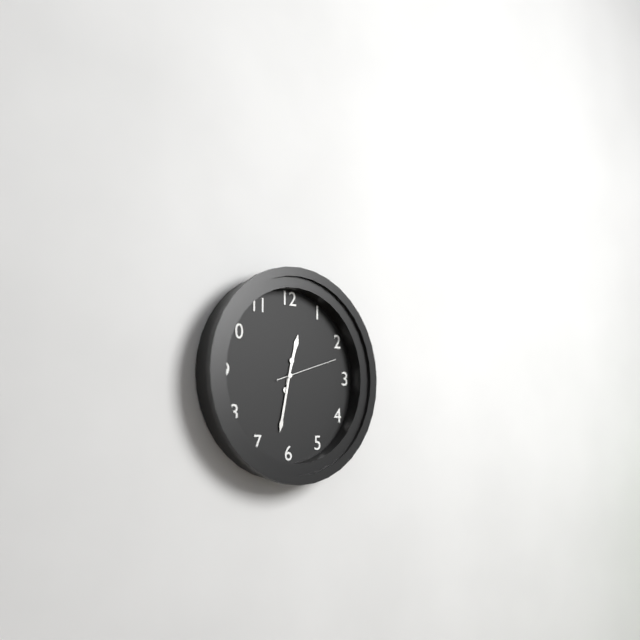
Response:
{"hour": 12, "minute": 32, "second": 12}
